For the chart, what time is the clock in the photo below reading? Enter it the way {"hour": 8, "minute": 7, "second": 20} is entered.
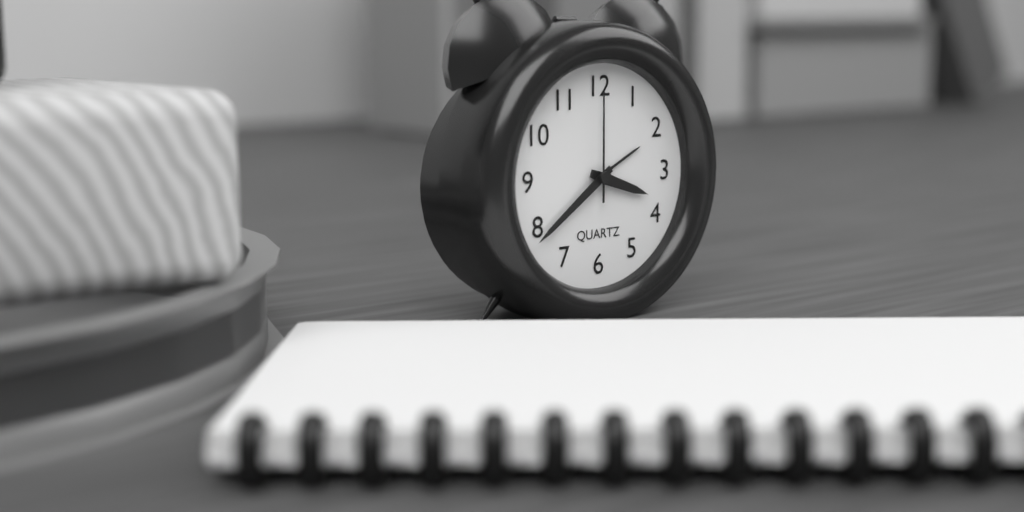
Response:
{"hour": 3, "minute": 39, "second": 0}
